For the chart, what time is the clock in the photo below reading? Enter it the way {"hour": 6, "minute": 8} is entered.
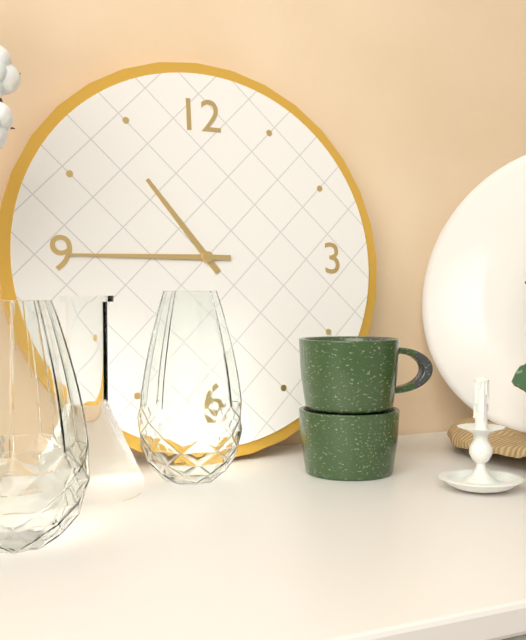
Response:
{"hour": 10, "minute": 45}
